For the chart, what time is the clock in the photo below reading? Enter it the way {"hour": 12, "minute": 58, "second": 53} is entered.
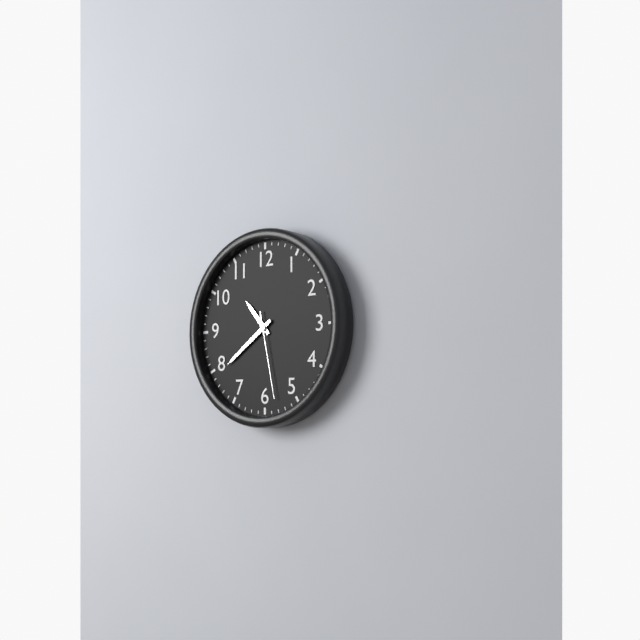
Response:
{"hour": 10, "minute": 39, "second": 28}
